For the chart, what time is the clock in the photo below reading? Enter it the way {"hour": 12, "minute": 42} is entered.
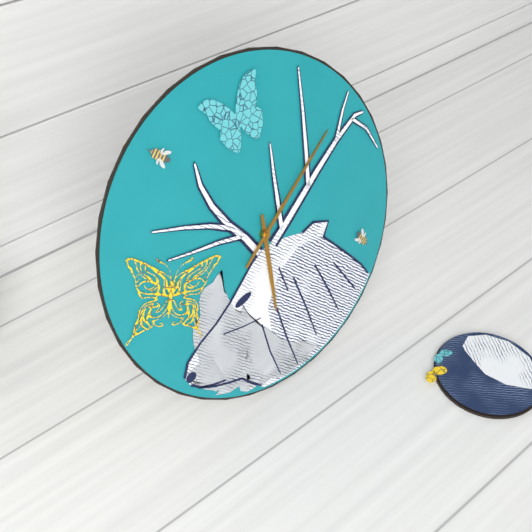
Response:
{"hour": 6, "minute": 9}
